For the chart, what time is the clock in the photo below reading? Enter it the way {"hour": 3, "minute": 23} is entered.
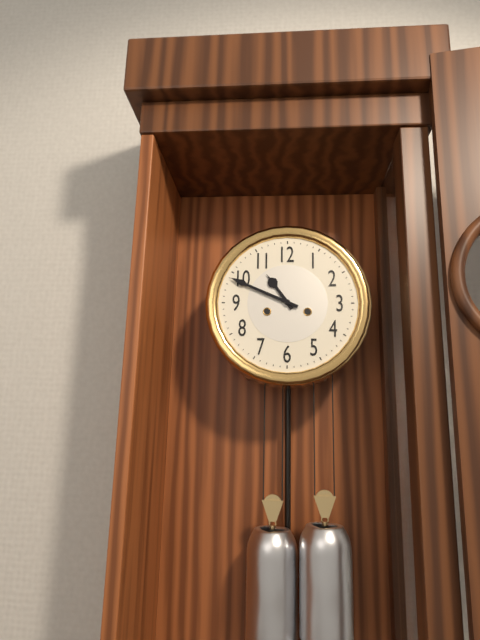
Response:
{"hour": 10, "minute": 49}
